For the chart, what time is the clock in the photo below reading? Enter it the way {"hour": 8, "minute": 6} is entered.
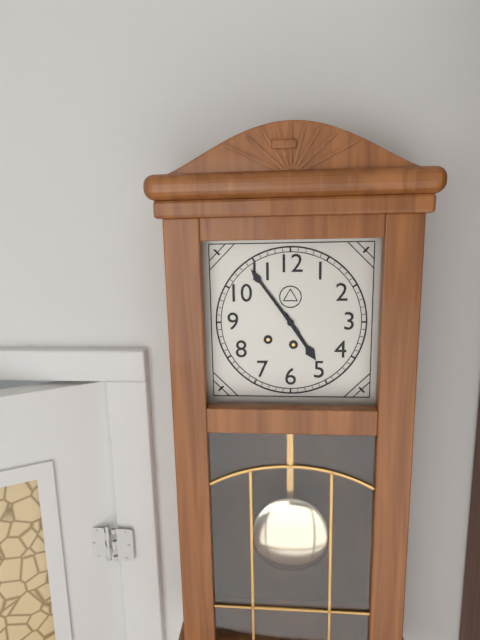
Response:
{"hour": 4, "minute": 54}
